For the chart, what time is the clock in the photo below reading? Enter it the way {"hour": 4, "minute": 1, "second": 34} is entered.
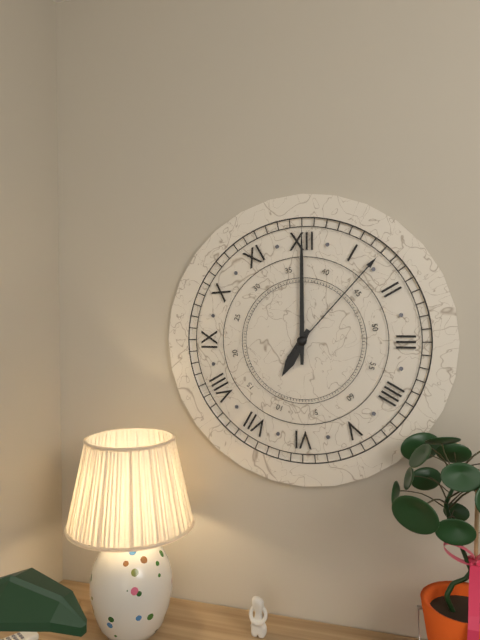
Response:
{"hour": 7, "minute": 0, "second": 7}
